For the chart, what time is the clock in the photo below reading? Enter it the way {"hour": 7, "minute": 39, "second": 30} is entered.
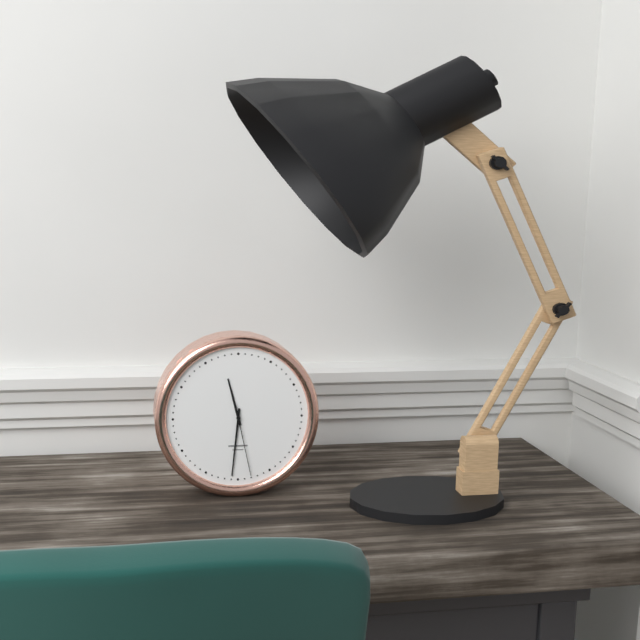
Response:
{"hour": 11, "minute": 31, "second": 28}
